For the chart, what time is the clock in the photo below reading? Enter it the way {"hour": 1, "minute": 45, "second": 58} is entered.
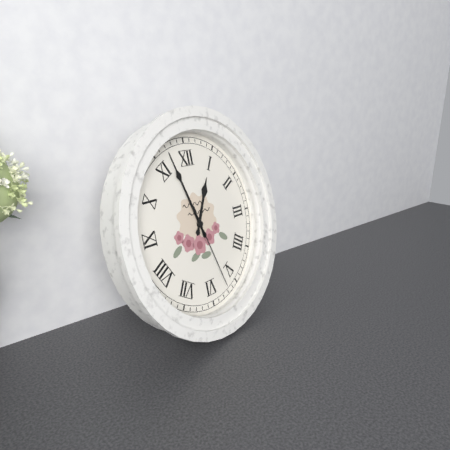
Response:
{"hour": 12, "minute": 57, "second": 27}
